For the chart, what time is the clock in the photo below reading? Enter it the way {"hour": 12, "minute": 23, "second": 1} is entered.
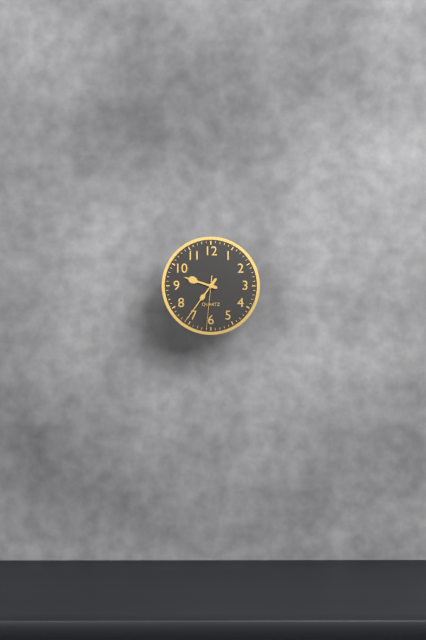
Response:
{"hour": 9, "minute": 36, "second": 31}
